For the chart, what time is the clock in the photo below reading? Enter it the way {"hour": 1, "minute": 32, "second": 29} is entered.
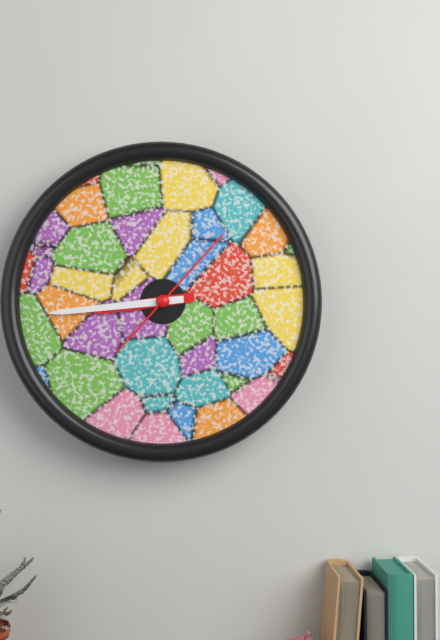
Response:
{"hour": 8, "minute": 44, "second": 7}
